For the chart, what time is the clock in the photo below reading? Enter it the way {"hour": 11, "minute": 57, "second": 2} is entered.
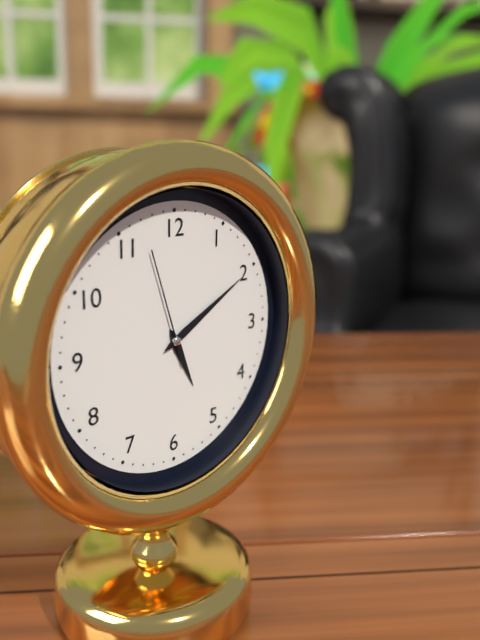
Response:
{"hour": 5, "minute": 10, "second": 57}
